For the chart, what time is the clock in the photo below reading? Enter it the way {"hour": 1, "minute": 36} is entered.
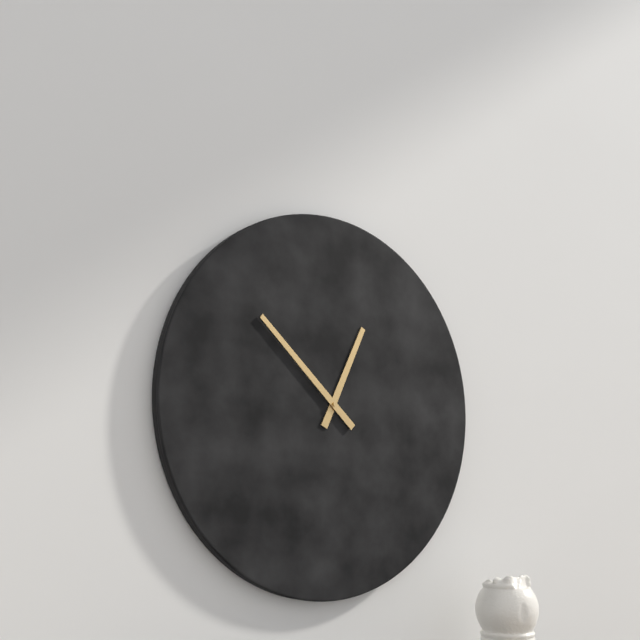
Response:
{"hour": 12, "minute": 52}
